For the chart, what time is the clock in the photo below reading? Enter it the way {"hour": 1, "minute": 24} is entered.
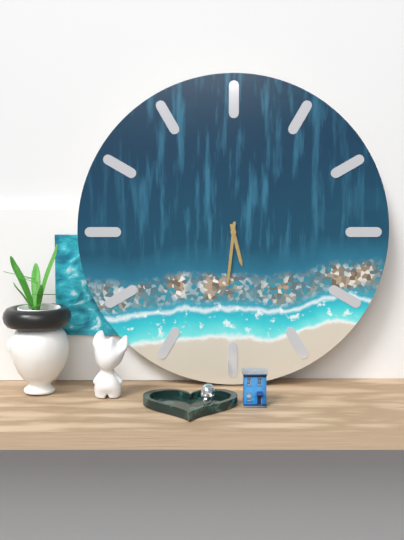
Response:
{"hour": 5, "minute": 31}
